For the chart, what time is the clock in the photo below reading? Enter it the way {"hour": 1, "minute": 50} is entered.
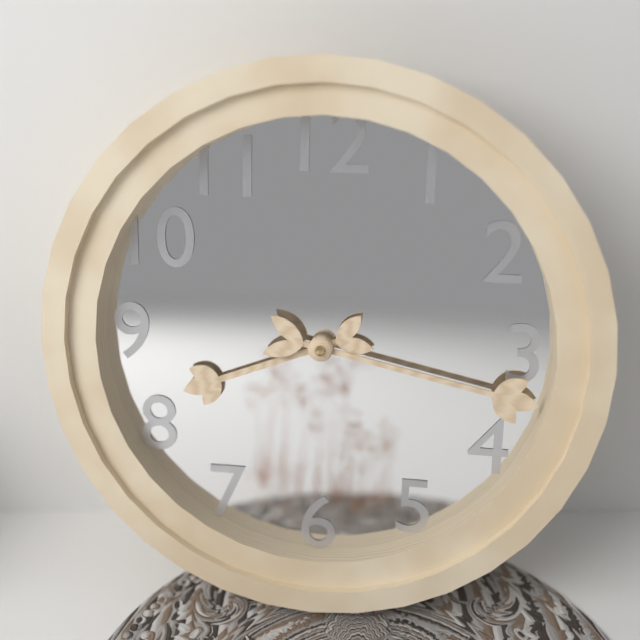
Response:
{"hour": 8, "minute": 17}
